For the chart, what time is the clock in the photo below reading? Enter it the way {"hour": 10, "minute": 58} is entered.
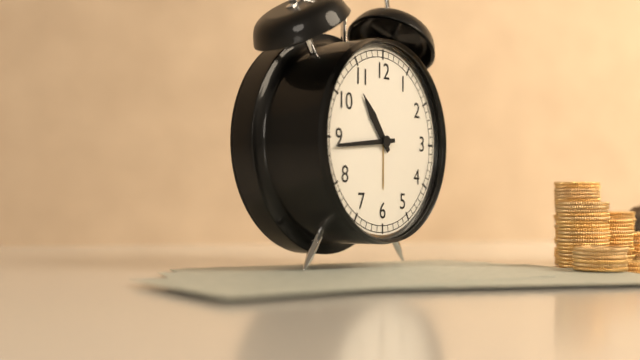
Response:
{"hour": 10, "minute": 44}
